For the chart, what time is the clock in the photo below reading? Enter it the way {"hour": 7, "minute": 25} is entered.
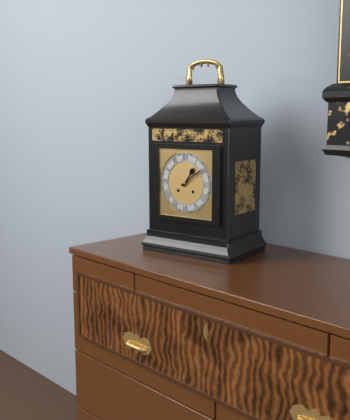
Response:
{"hour": 1, "minute": 9}
